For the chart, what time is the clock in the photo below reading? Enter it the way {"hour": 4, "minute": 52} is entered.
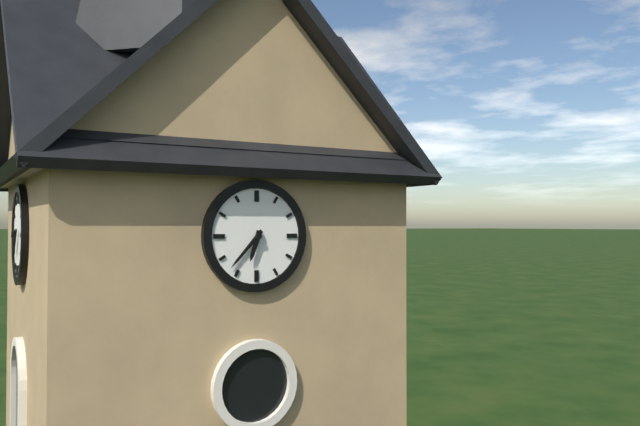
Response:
{"hour": 6, "minute": 37}
